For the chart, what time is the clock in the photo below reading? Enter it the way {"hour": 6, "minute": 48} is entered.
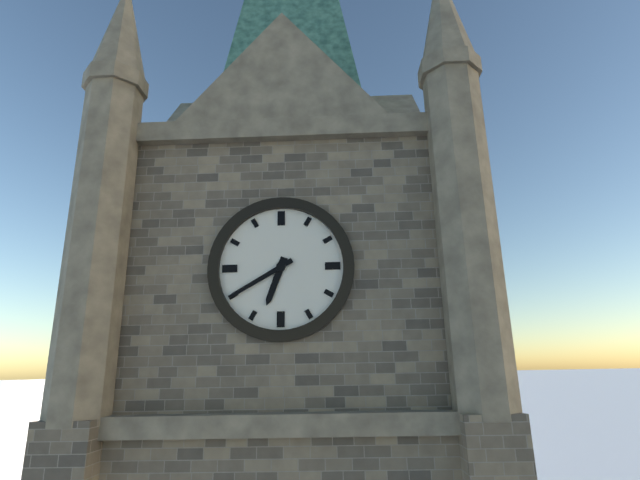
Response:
{"hour": 6, "minute": 40}
